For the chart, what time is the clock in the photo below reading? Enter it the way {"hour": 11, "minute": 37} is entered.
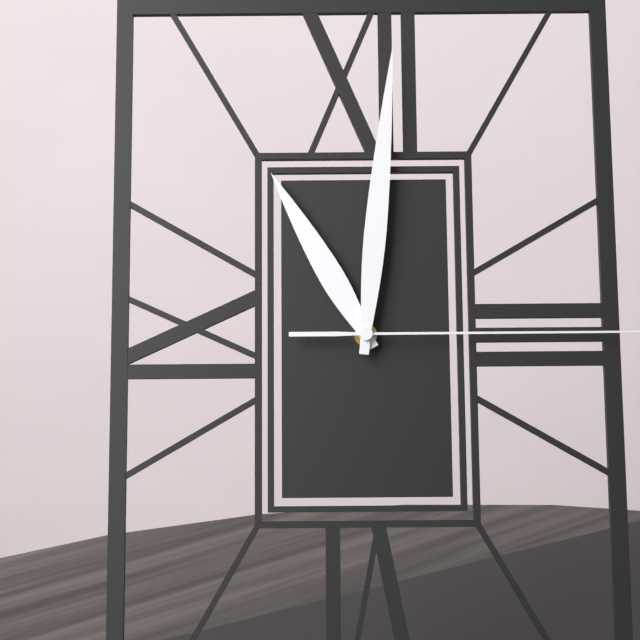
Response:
{"hour": 11, "minute": 1}
